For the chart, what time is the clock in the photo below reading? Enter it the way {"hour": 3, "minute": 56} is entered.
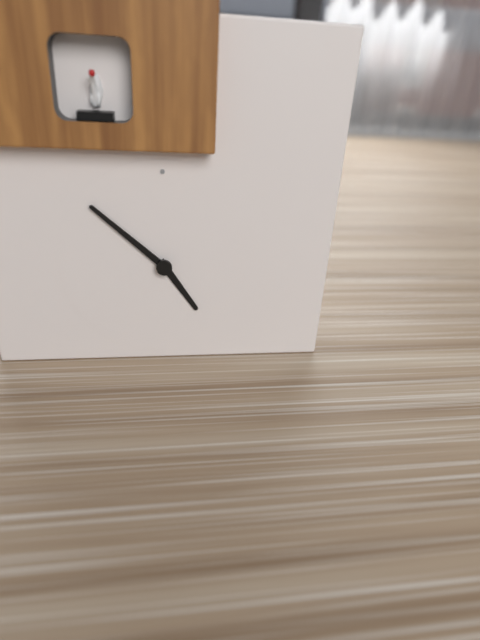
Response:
{"hour": 4, "minute": 52}
